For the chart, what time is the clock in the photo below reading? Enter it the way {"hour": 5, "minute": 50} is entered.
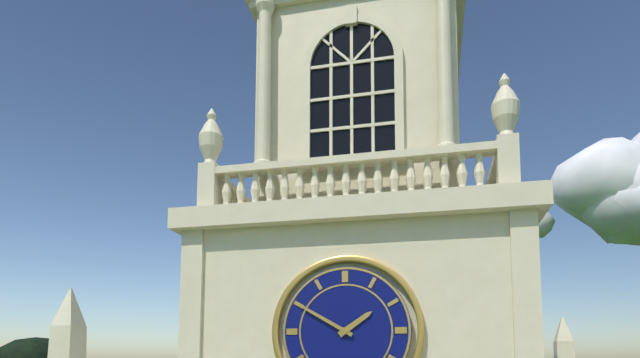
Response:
{"hour": 1, "minute": 50}
